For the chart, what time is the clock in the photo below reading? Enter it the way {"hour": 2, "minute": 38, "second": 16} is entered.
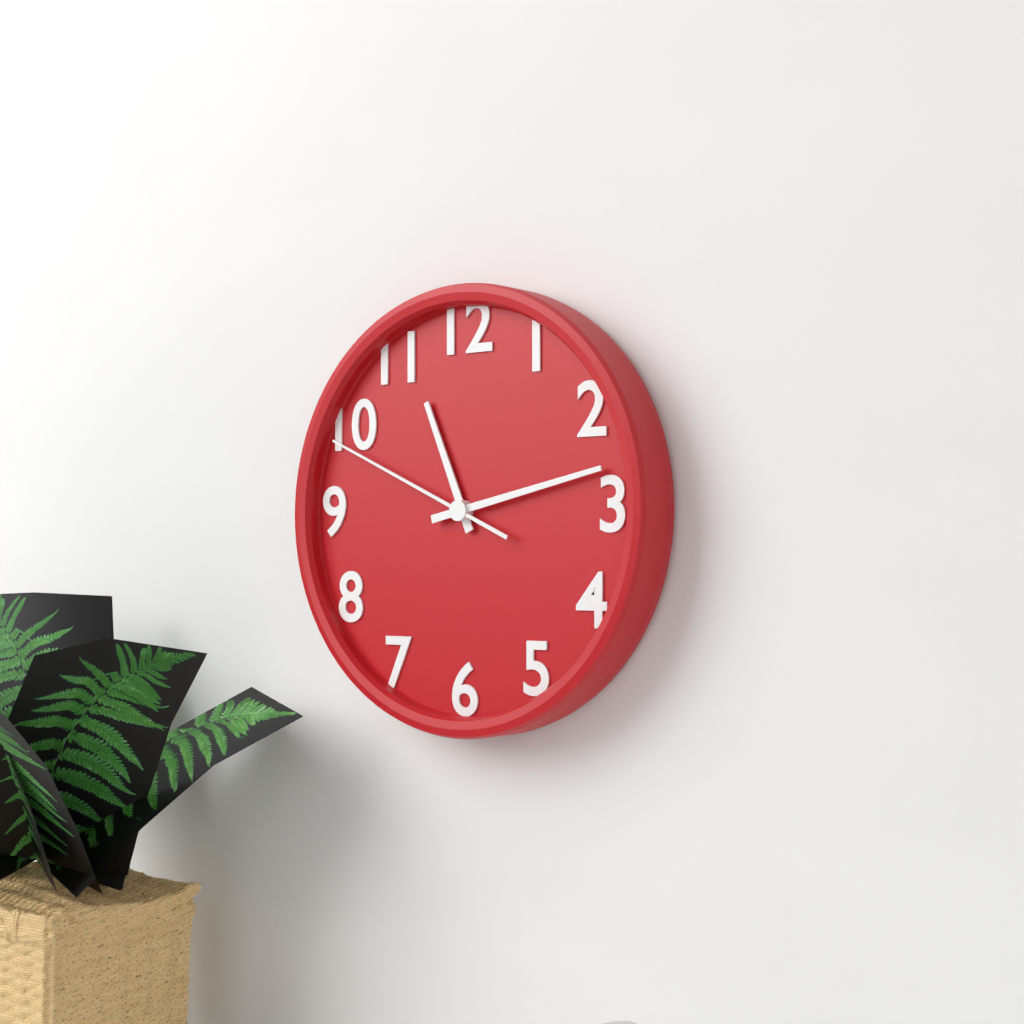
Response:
{"hour": 11, "minute": 13, "second": 49}
